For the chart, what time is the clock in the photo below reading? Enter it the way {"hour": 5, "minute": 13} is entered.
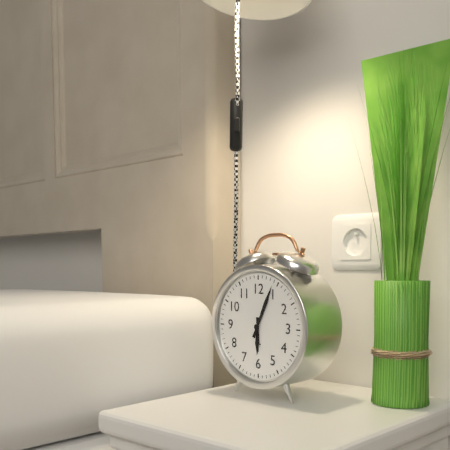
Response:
{"hour": 6, "minute": 4}
